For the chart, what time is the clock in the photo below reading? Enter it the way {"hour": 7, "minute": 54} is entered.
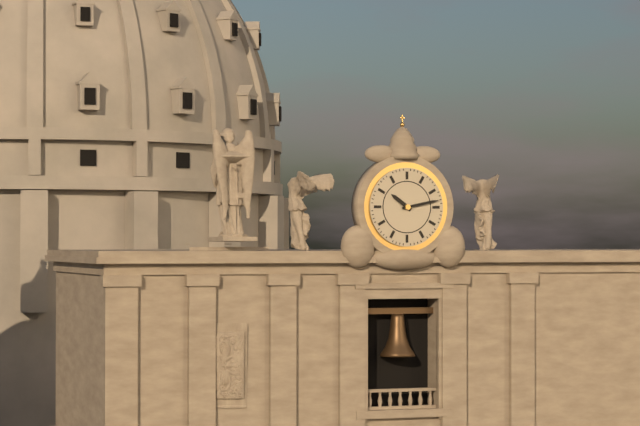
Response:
{"hour": 10, "minute": 13}
